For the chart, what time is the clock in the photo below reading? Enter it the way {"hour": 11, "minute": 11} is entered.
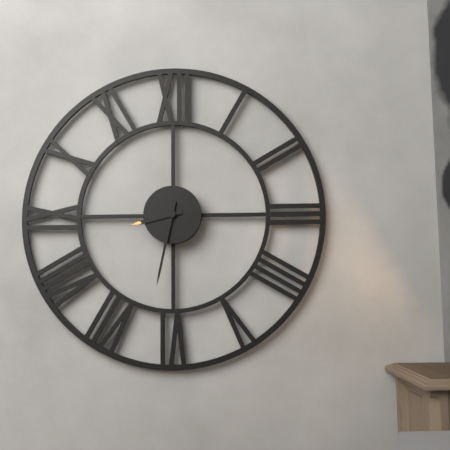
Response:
{"hour": 8, "minute": 32}
